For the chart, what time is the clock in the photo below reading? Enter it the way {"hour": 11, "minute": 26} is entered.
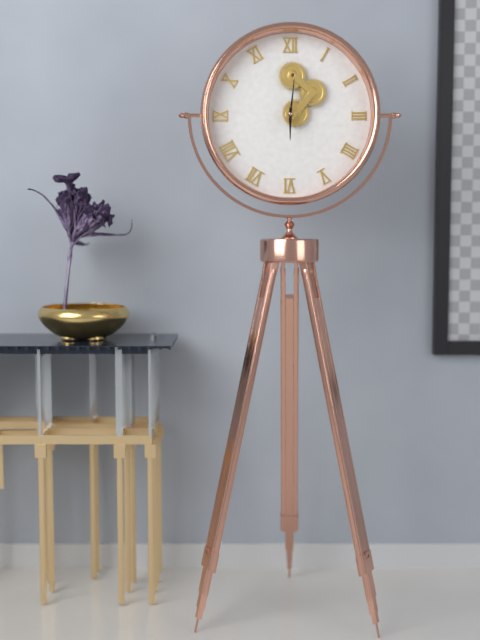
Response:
{"hour": 6, "minute": 1}
